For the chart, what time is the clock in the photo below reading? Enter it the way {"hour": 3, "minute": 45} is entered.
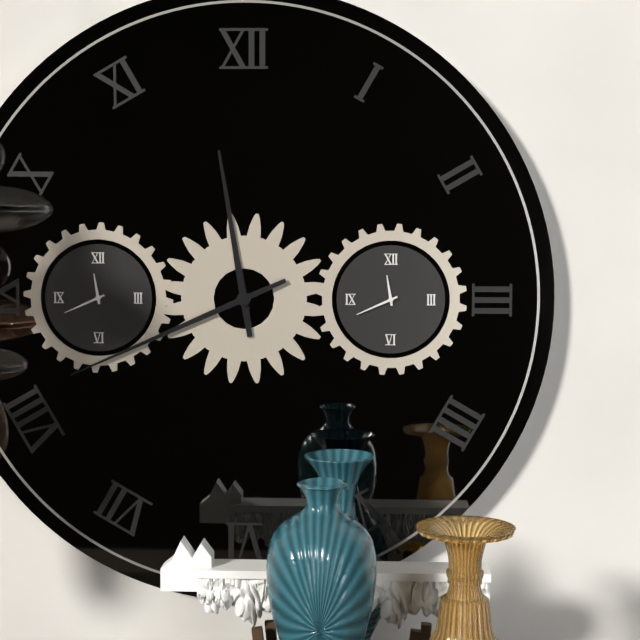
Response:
{"hour": 11, "minute": 41}
